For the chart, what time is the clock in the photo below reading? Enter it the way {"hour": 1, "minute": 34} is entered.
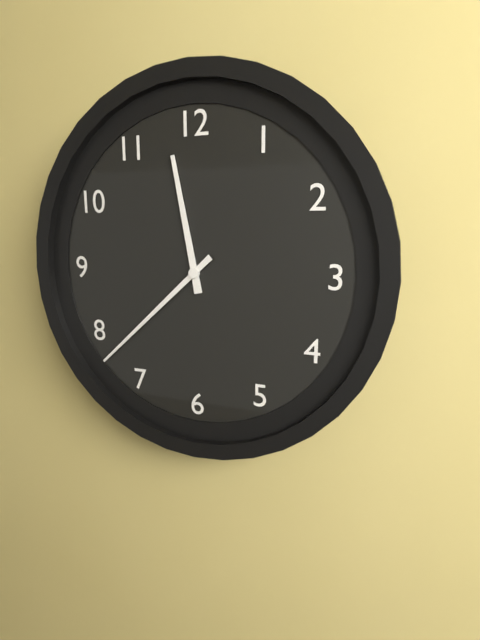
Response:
{"hour": 11, "minute": 38}
